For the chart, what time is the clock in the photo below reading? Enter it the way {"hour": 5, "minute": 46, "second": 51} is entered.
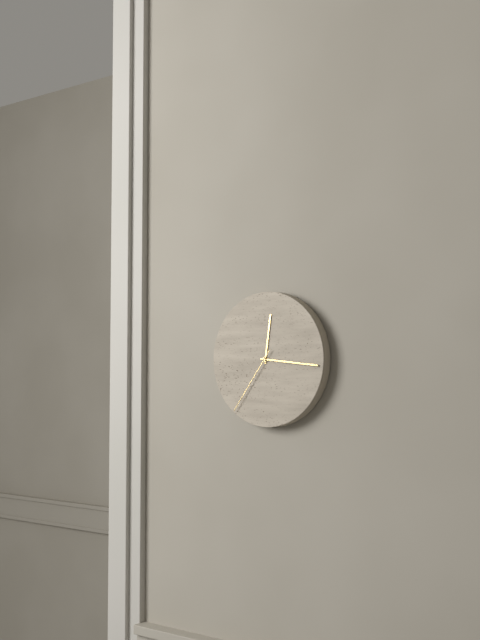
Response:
{"hour": 12, "minute": 16, "second": 36}
